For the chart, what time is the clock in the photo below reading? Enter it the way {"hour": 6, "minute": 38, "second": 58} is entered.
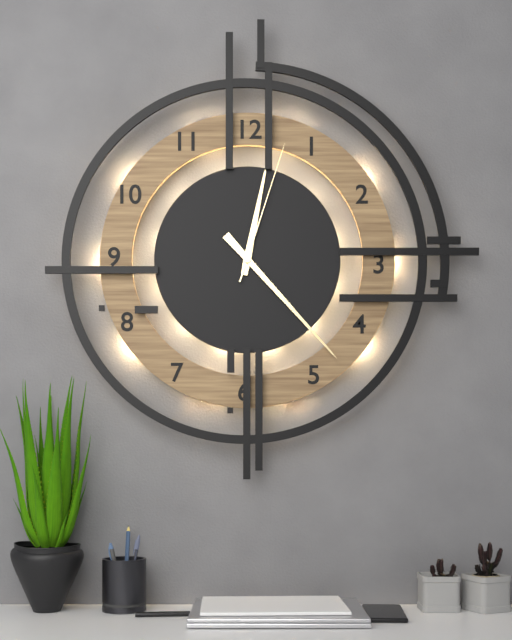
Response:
{"hour": 12, "minute": 23, "second": 3}
